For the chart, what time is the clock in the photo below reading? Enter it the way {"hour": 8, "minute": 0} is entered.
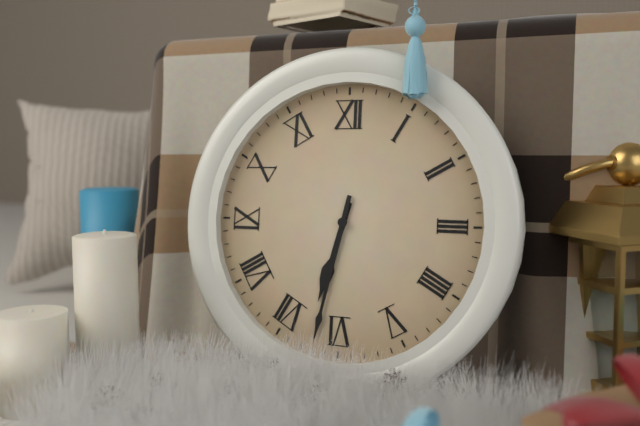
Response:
{"hour": 6, "minute": 32}
